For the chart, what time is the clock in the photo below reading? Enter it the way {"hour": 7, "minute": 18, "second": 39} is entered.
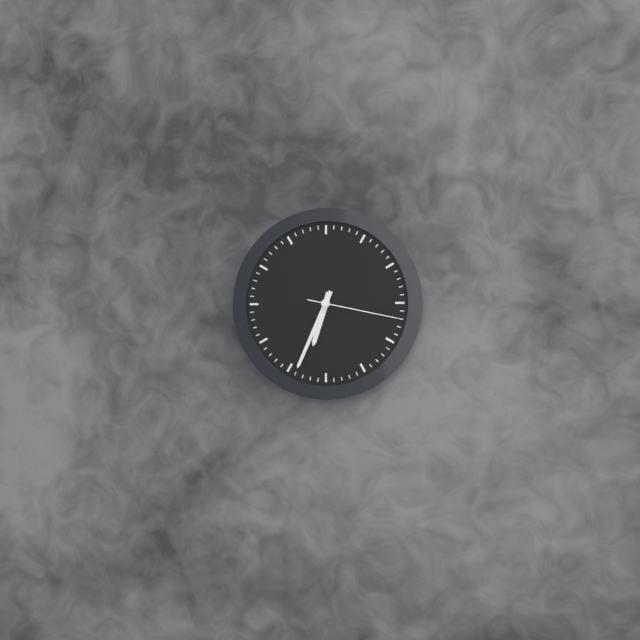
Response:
{"hour": 6, "minute": 34, "second": 17}
